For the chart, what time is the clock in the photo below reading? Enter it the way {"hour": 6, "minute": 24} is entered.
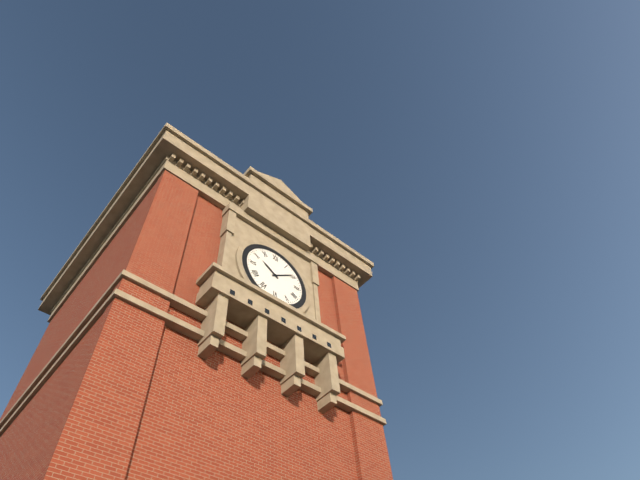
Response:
{"hour": 10, "minute": 9}
